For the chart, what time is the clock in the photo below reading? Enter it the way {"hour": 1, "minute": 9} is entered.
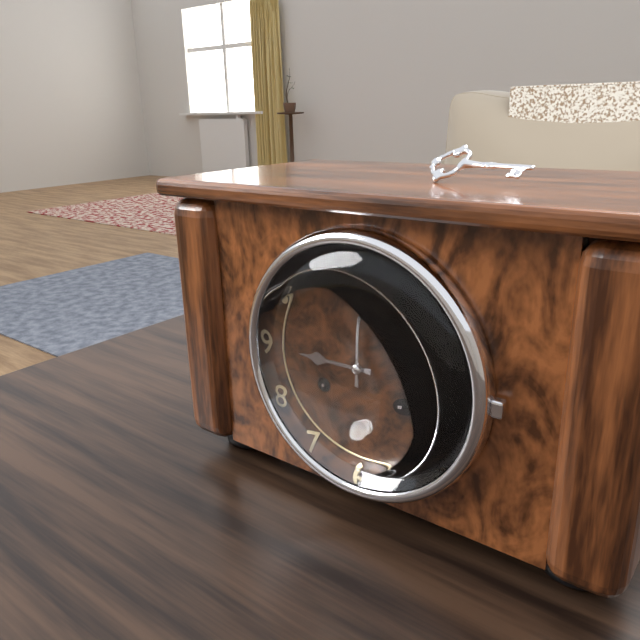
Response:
{"hour": 9, "minute": 0}
